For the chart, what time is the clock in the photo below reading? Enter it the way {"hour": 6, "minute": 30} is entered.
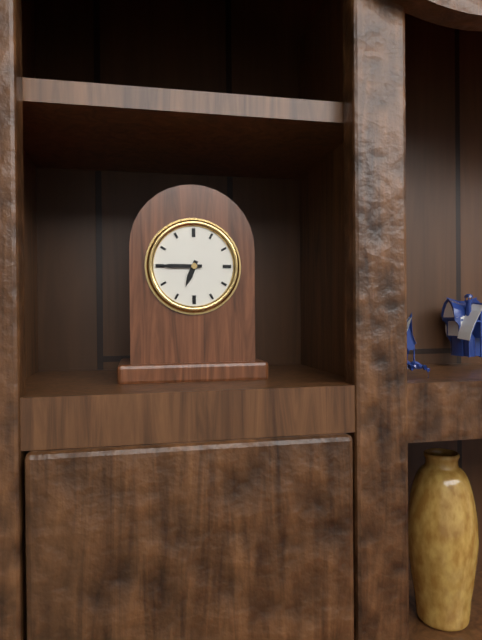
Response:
{"hour": 6, "minute": 45}
